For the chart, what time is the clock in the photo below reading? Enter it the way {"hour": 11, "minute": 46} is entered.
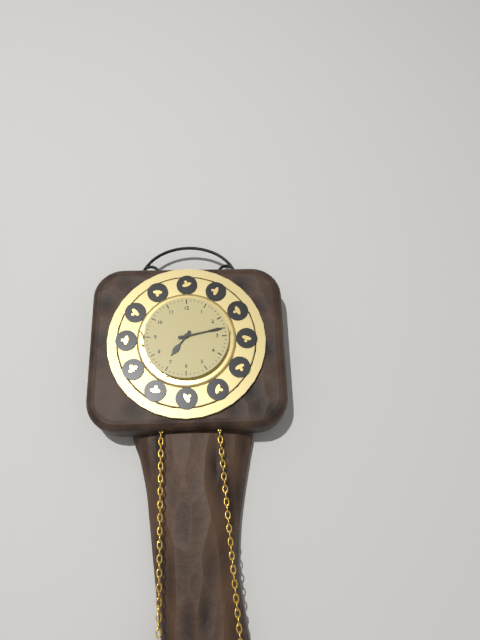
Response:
{"hour": 7, "minute": 13}
